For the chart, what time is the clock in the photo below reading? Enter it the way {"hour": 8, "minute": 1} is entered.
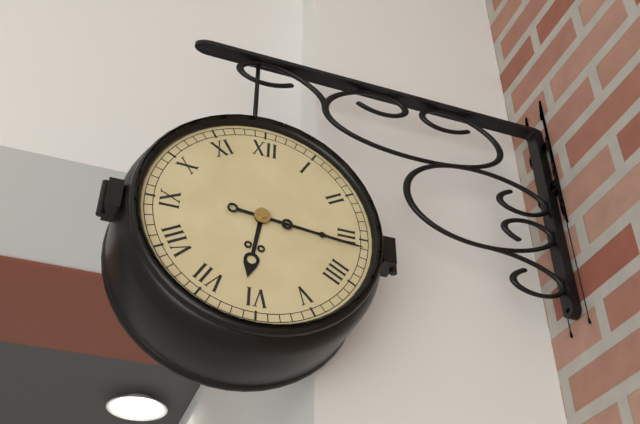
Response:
{"hour": 6, "minute": 16}
